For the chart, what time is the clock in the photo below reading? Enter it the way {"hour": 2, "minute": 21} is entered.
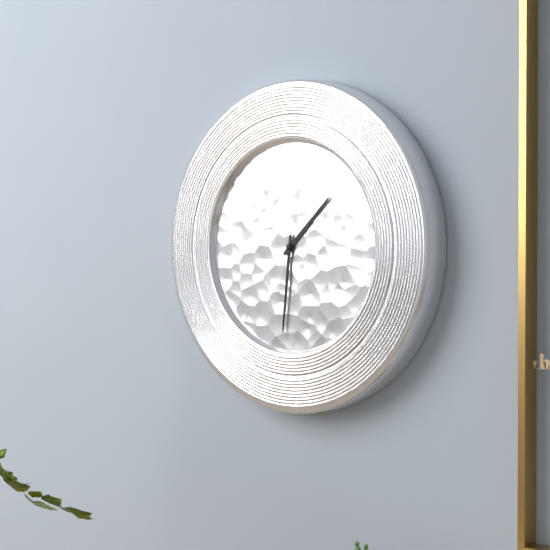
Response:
{"hour": 1, "minute": 31}
